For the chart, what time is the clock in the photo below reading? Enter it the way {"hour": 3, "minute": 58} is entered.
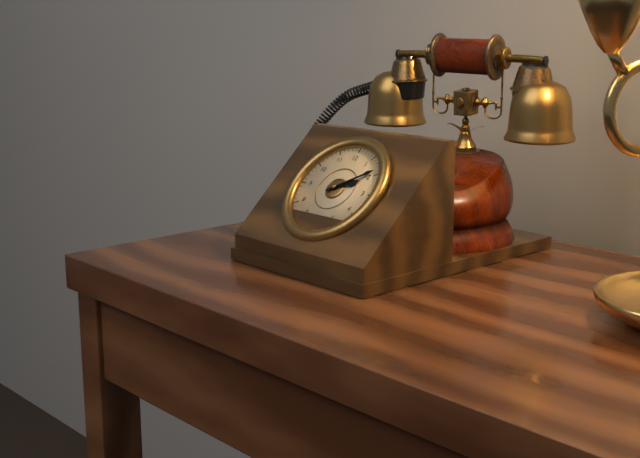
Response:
{"hour": 2, "minute": 9}
